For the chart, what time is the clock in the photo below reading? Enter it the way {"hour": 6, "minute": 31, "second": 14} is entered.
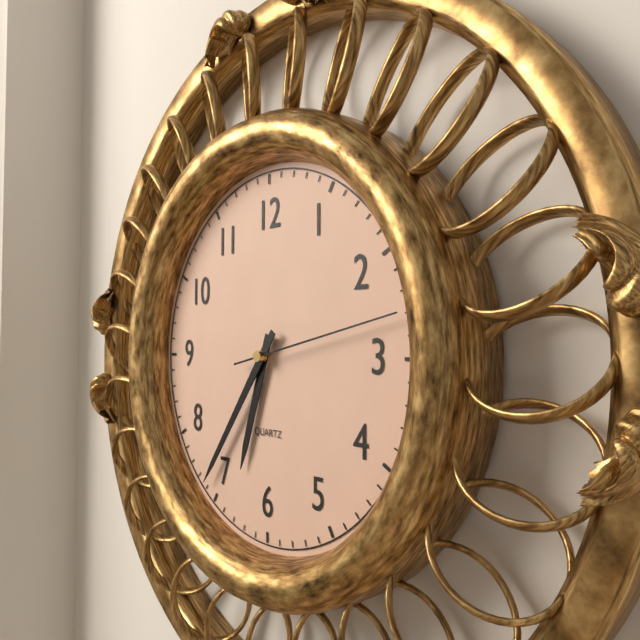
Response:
{"hour": 6, "minute": 36, "second": 13}
